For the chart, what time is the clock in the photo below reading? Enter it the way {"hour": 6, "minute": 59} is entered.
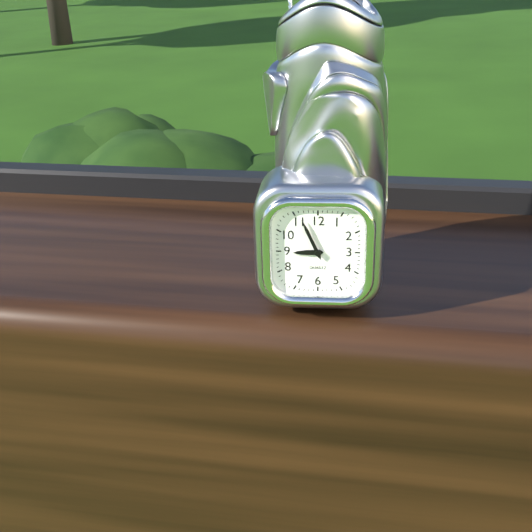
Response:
{"hour": 8, "minute": 56}
